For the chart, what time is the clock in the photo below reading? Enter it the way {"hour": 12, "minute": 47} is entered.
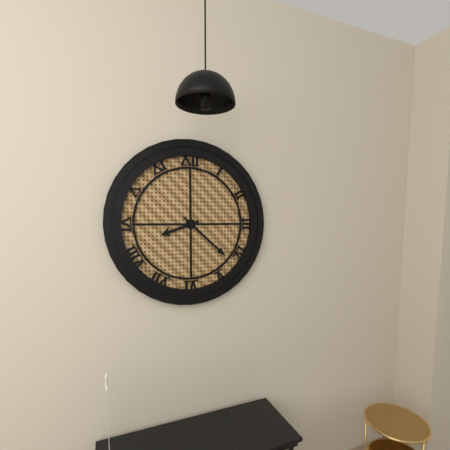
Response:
{"hour": 8, "minute": 22}
